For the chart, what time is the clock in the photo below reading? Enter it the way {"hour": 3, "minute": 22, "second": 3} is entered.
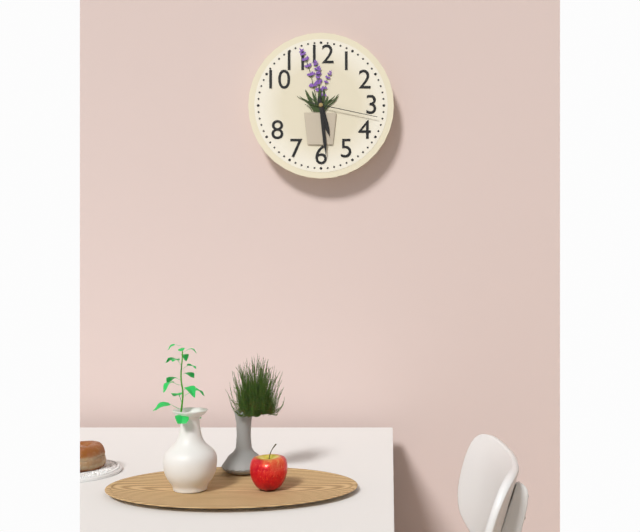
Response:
{"hour": 5, "minute": 29, "second": 17}
